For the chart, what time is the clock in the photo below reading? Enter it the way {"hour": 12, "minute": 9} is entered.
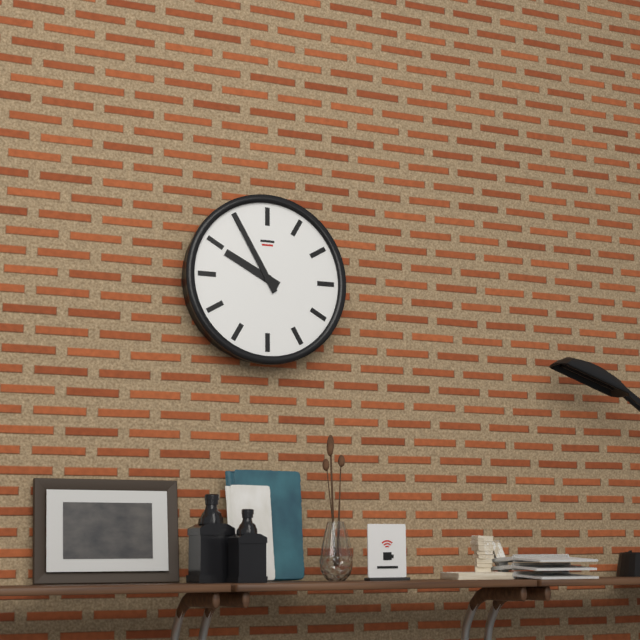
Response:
{"hour": 9, "minute": 55}
